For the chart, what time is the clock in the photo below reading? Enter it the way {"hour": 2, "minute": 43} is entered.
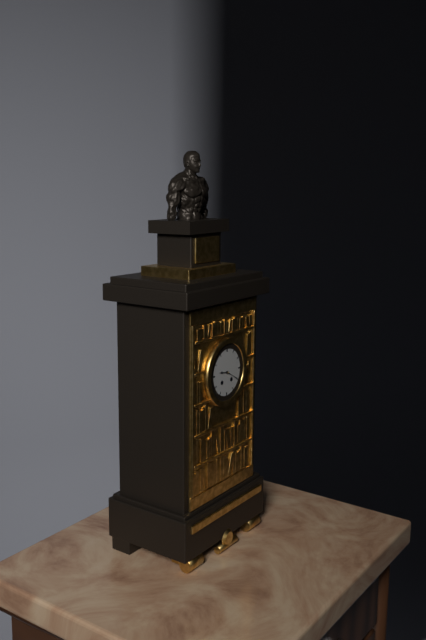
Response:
{"hour": 9, "minute": 20}
